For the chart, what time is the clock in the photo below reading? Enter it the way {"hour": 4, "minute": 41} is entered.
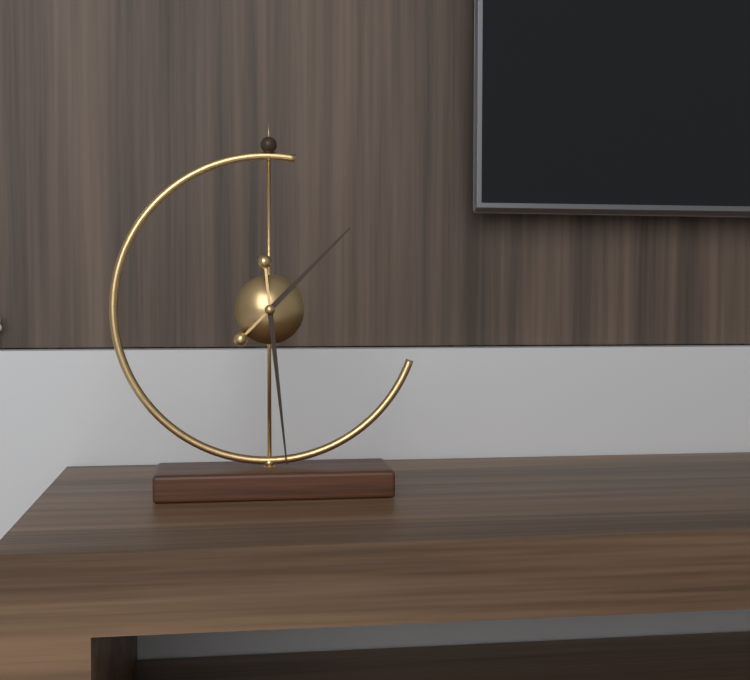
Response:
{"hour": 1, "minute": 29}
